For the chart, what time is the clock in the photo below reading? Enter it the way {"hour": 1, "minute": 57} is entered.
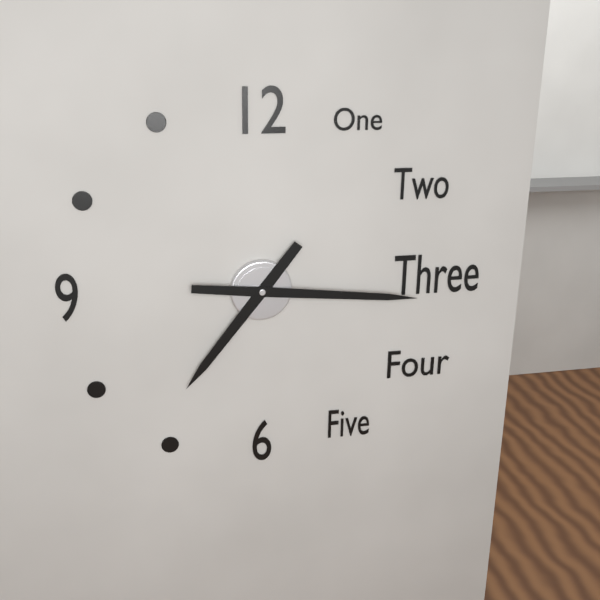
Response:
{"hour": 7, "minute": 16}
